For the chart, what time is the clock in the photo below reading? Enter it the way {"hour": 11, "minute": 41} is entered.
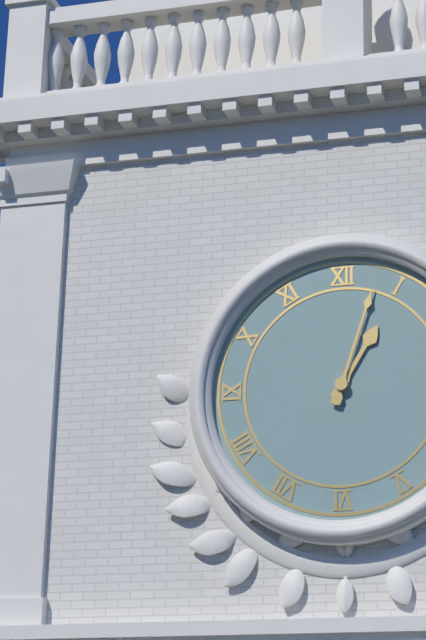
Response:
{"hour": 1, "minute": 3}
